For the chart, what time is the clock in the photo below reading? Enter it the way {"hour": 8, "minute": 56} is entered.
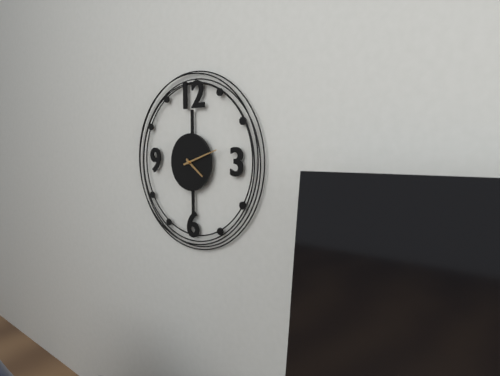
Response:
{"hour": 4, "minute": 12}
